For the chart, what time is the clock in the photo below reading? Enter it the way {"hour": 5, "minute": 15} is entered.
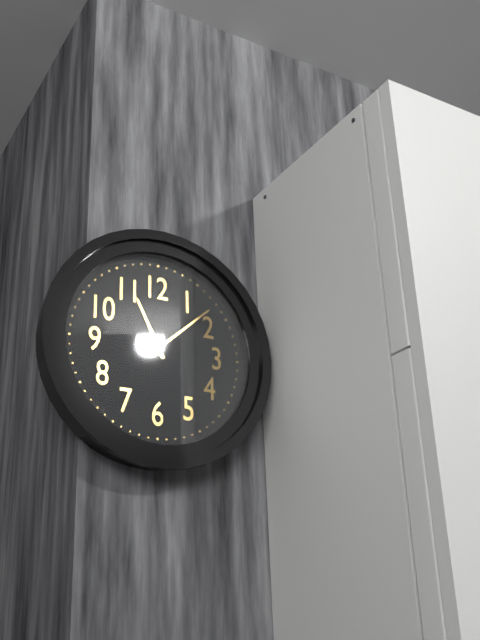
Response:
{"hour": 11, "minute": 8}
